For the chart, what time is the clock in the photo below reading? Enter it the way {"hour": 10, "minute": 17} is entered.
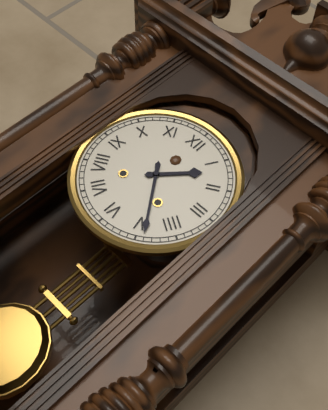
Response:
{"hour": 1, "minute": 24}
